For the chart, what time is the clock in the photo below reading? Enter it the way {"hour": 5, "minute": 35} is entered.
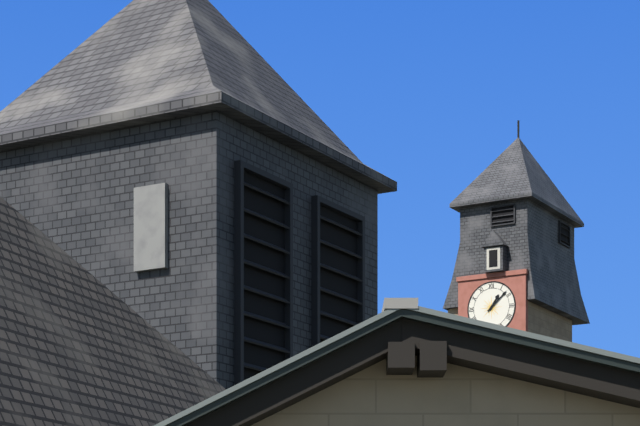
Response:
{"hour": 1, "minute": 8}
